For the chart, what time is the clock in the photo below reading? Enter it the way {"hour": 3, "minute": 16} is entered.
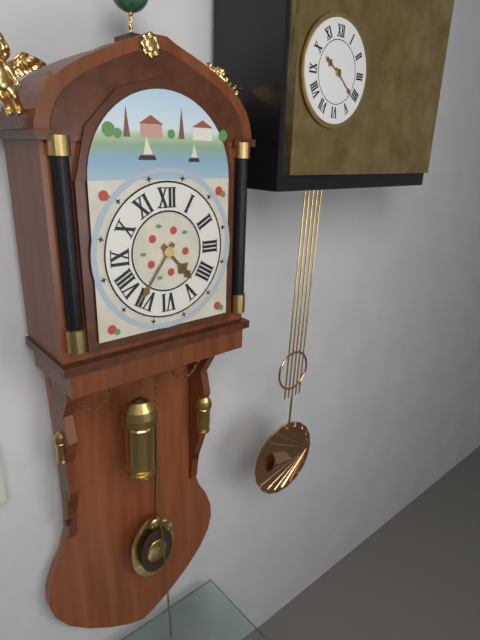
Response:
{"hour": 4, "minute": 36}
